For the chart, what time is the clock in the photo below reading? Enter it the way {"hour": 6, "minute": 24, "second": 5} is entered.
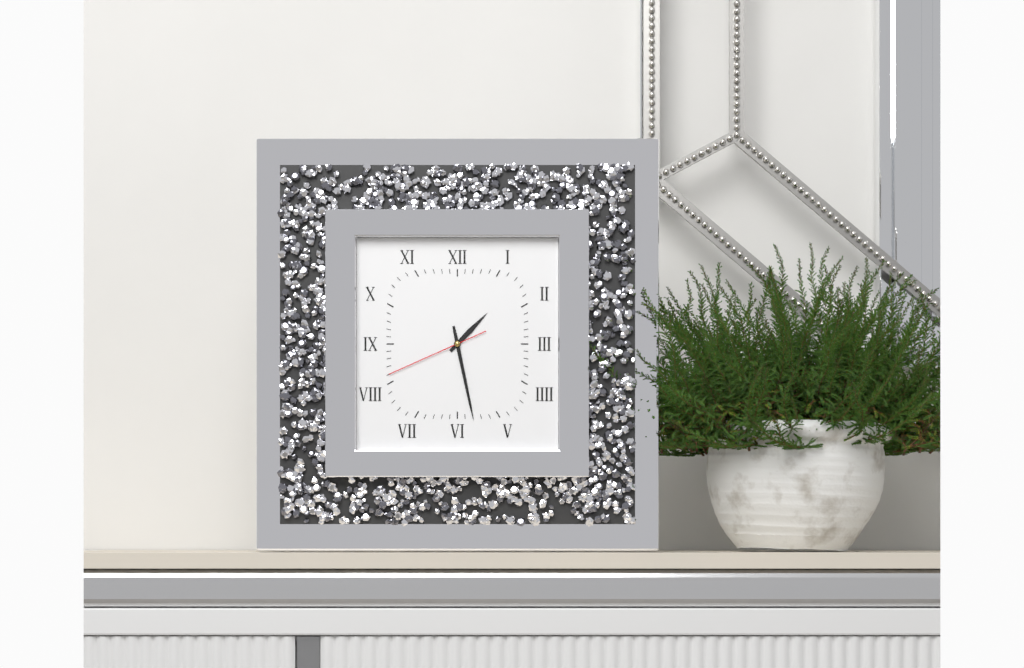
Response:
{"hour": 1, "minute": 28, "second": 41}
